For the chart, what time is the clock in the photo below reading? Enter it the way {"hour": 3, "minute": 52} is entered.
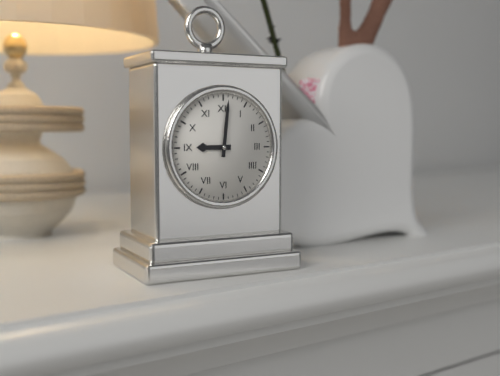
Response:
{"hour": 9, "minute": 1}
